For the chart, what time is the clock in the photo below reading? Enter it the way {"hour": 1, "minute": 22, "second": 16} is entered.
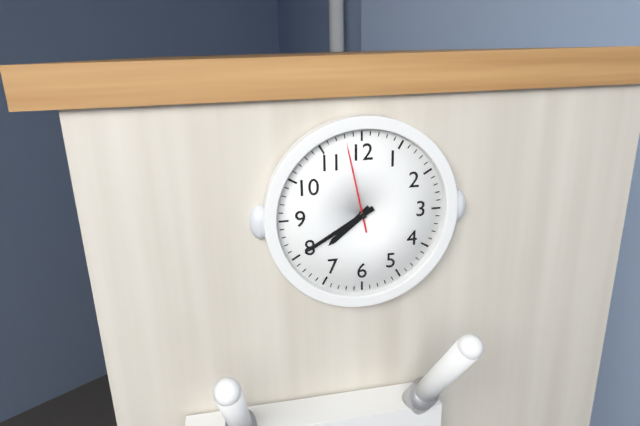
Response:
{"hour": 7, "minute": 40, "second": 58}
